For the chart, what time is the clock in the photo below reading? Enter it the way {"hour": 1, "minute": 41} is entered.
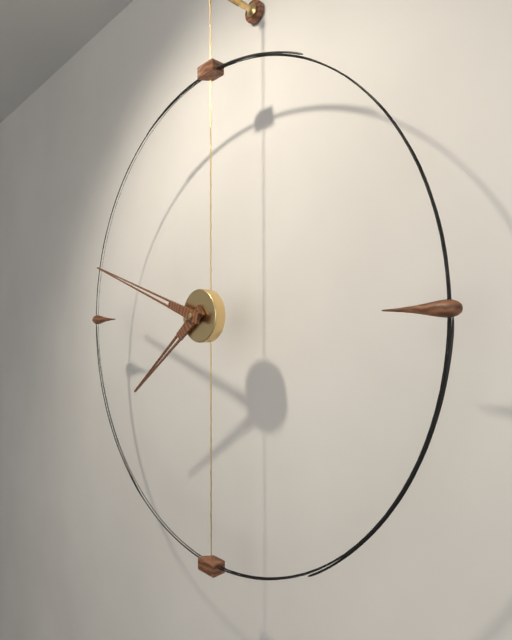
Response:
{"hour": 7, "minute": 48}
